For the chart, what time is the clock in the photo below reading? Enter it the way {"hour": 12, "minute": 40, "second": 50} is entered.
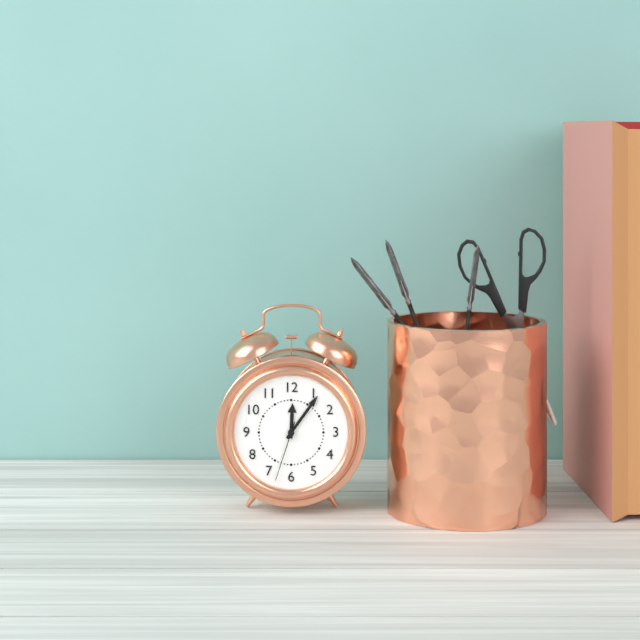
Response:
{"hour": 12, "minute": 6, "second": 33}
